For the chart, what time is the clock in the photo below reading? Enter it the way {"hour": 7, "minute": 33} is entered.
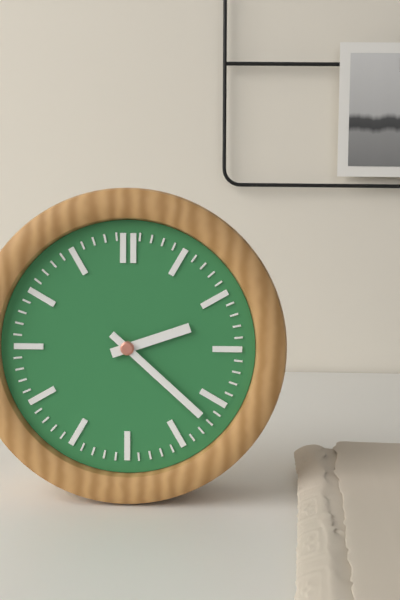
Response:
{"hour": 2, "minute": 22}
